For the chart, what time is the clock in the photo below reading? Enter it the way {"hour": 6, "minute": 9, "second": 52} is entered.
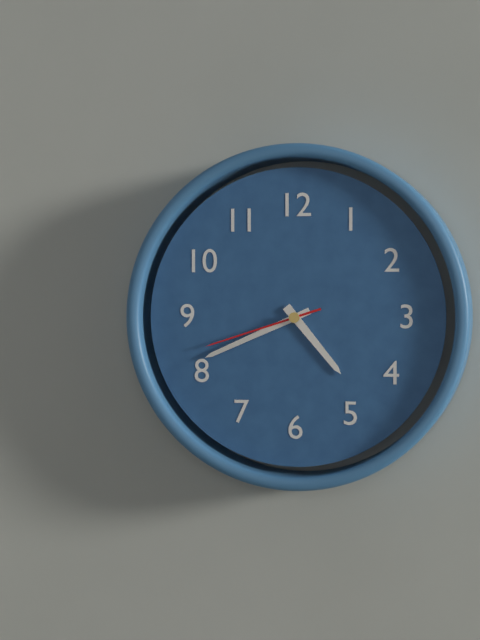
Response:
{"hour": 4, "minute": 41, "second": 42}
